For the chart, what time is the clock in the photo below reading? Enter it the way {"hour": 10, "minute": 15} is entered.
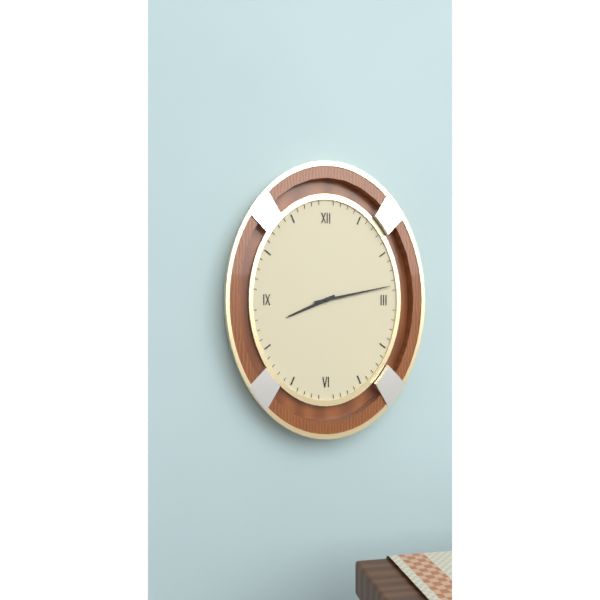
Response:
{"hour": 8, "minute": 13}
